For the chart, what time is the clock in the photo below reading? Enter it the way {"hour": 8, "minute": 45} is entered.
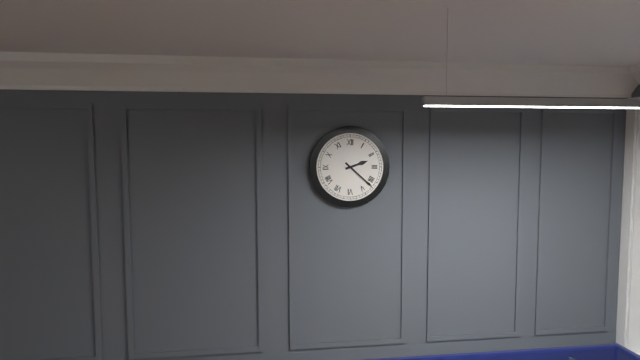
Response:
{"hour": 2, "minute": 22}
